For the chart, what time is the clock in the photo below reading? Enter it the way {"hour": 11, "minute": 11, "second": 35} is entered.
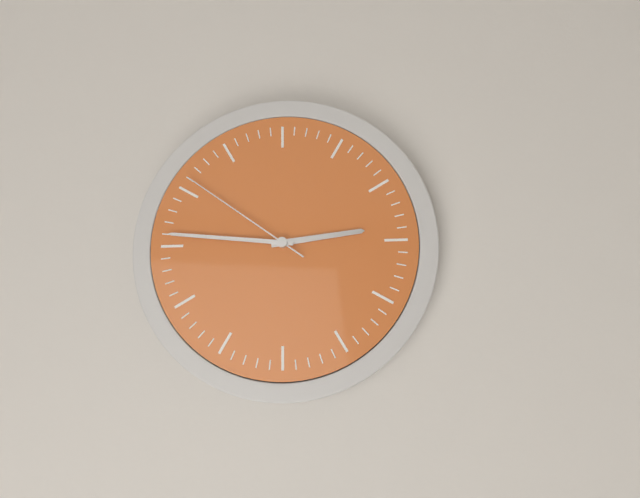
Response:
{"hour": 2, "minute": 46, "second": 51}
